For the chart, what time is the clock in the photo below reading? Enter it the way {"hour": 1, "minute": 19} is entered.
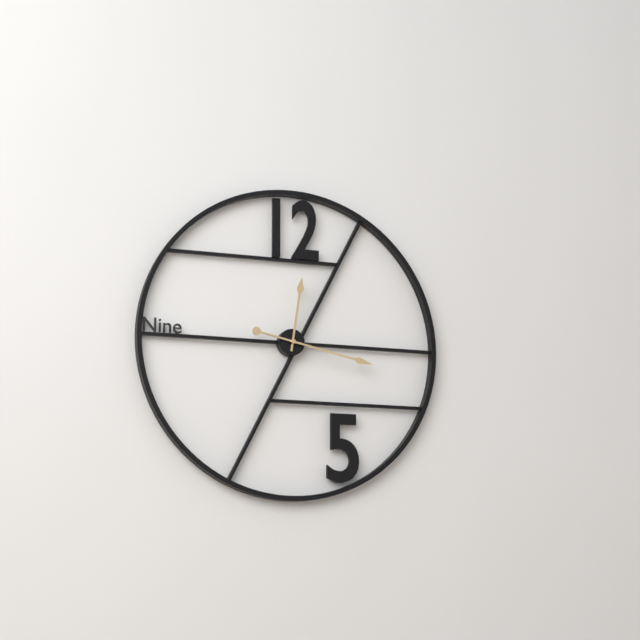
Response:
{"hour": 12, "minute": 17}
